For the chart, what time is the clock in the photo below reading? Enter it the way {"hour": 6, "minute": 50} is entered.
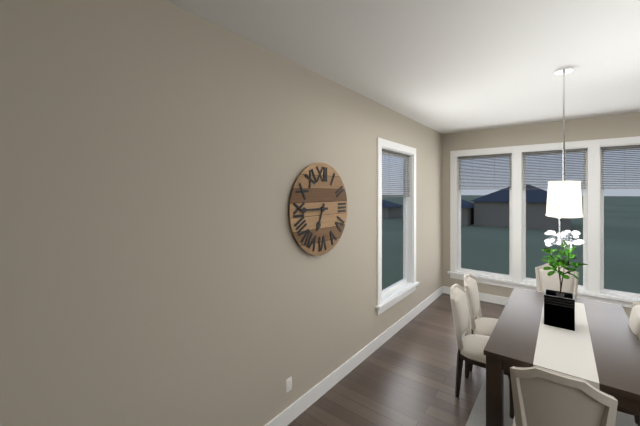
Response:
{"hour": 6, "minute": 45}
